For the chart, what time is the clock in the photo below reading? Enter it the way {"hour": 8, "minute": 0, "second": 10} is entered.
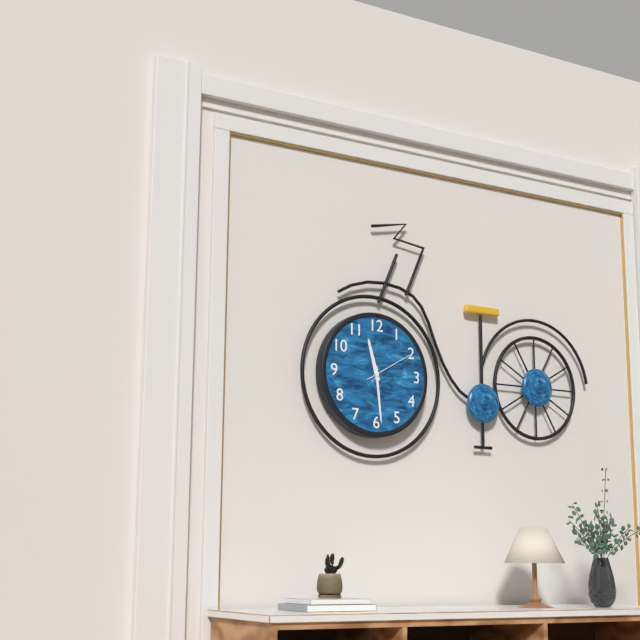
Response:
{"hour": 11, "minute": 29, "second": 10}
